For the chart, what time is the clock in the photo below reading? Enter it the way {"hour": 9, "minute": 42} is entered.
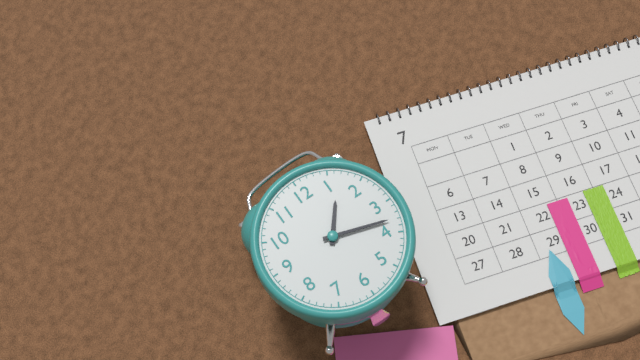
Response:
{"hour": 1, "minute": 18}
